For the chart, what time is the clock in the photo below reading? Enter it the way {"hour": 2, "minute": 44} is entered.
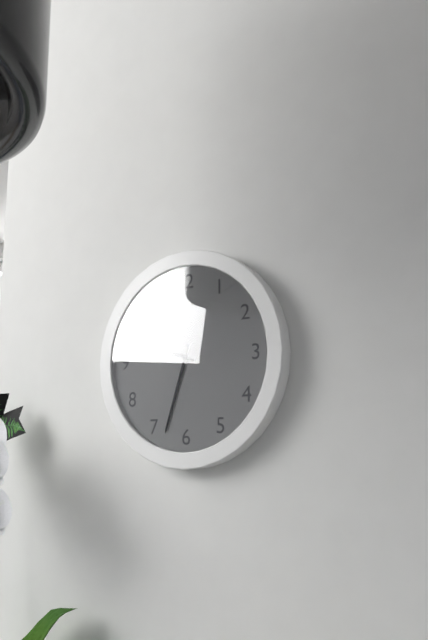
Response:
{"hour": 9, "minute": 33}
